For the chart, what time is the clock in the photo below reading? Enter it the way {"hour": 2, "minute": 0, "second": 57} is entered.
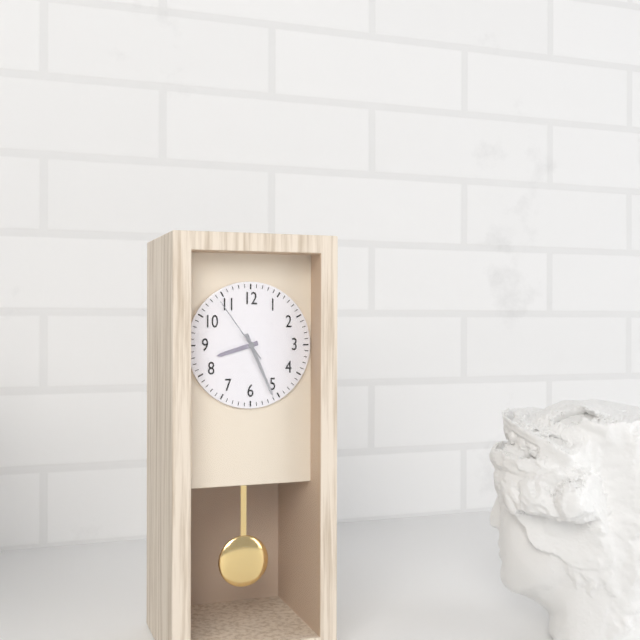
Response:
{"hour": 8, "minute": 26, "second": 54}
